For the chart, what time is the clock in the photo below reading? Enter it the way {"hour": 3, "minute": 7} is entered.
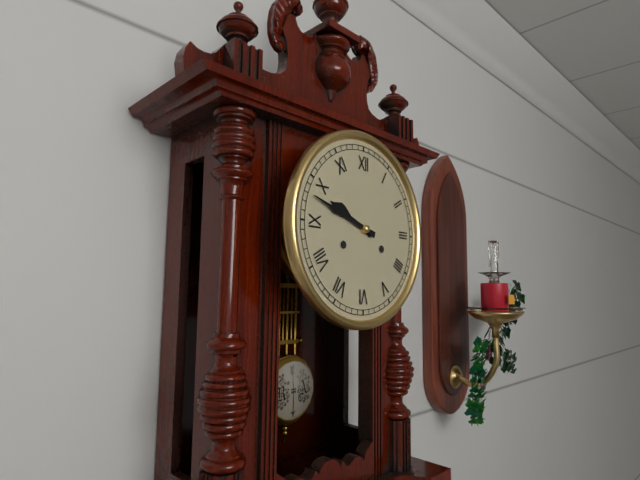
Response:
{"hour": 9, "minute": 48}
